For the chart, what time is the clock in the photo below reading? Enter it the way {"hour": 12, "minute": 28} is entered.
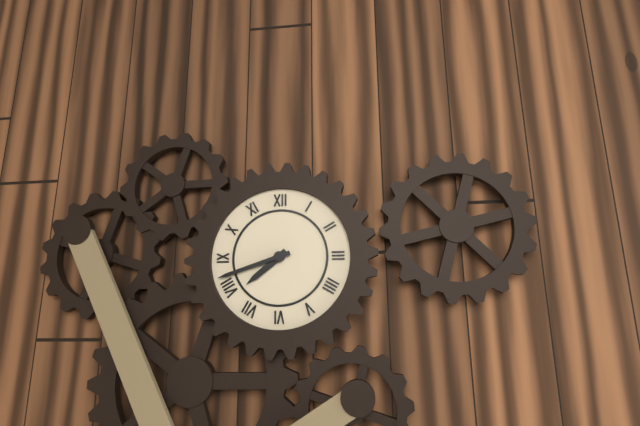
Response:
{"hour": 7, "minute": 42}
